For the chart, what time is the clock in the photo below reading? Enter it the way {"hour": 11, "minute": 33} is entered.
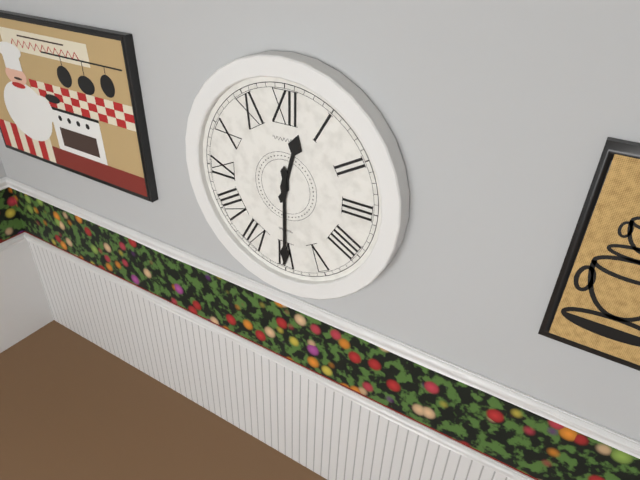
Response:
{"hour": 12, "minute": 30}
